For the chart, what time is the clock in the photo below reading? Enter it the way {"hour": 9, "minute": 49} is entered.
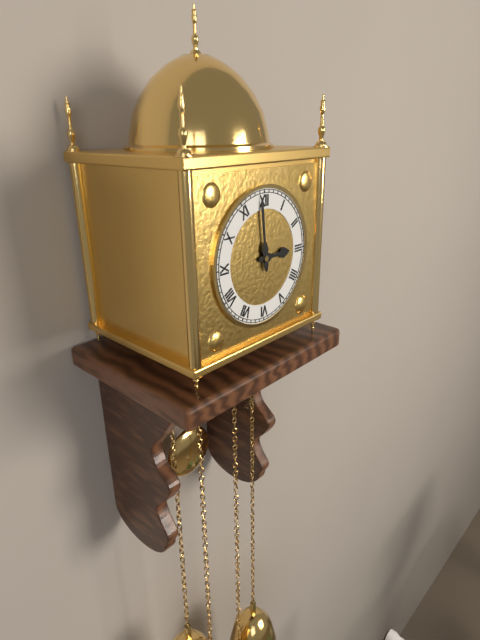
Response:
{"hour": 2, "minute": 59}
